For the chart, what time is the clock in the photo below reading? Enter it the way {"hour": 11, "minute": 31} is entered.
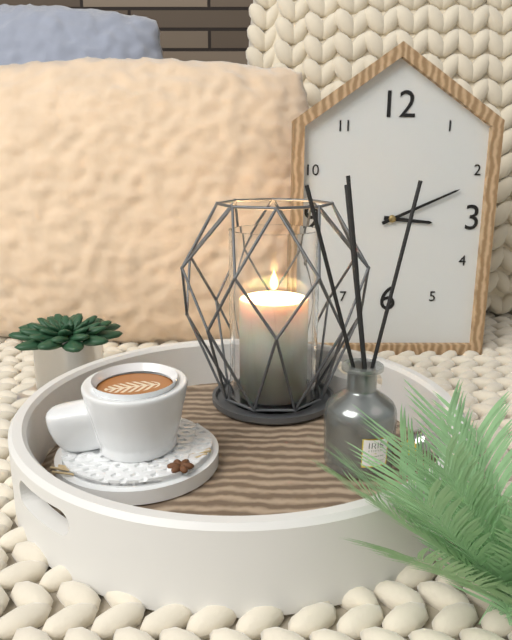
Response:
{"hour": 3, "minute": 11}
